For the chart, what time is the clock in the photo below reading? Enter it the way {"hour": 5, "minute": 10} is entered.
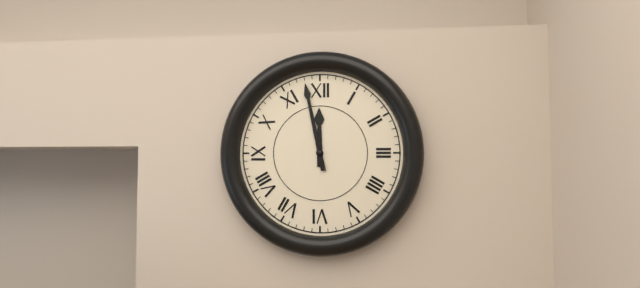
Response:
{"hour": 11, "minute": 58}
